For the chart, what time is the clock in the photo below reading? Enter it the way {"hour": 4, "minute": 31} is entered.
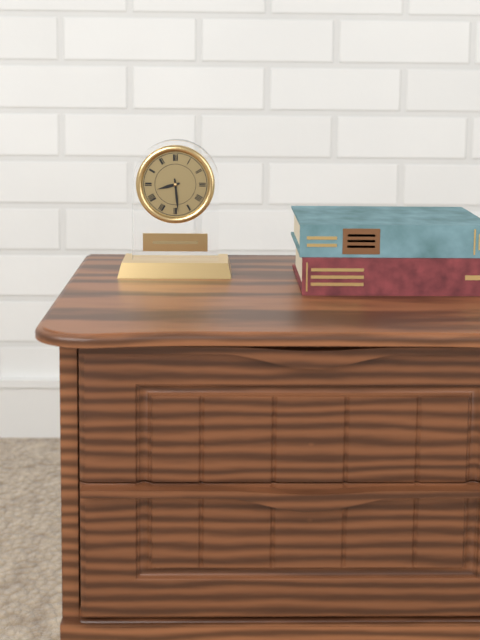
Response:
{"hour": 8, "minute": 29}
